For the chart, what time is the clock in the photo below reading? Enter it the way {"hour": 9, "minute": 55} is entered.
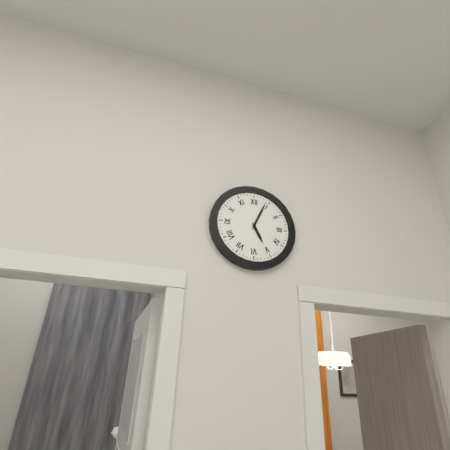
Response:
{"hour": 5, "minute": 4}
